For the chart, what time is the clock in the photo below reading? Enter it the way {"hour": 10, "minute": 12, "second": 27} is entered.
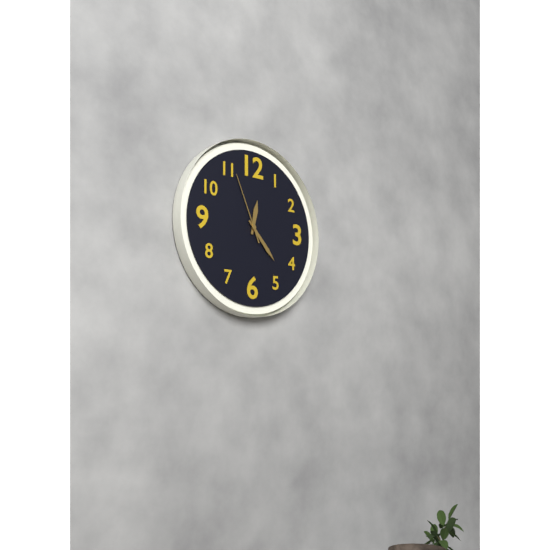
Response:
{"hour": 12, "minute": 23, "second": 56}
